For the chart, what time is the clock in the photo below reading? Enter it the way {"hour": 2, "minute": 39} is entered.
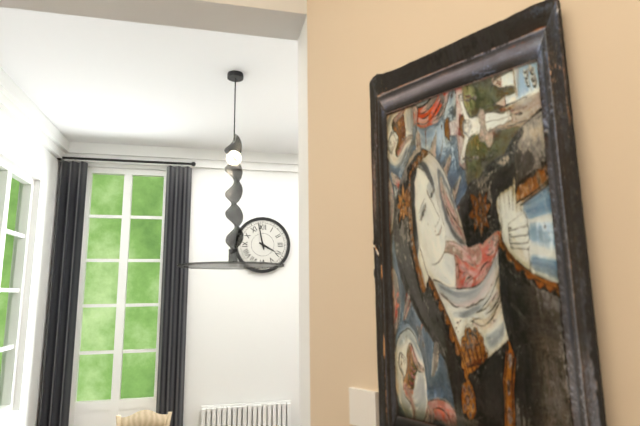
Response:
{"hour": 3, "minute": 58}
